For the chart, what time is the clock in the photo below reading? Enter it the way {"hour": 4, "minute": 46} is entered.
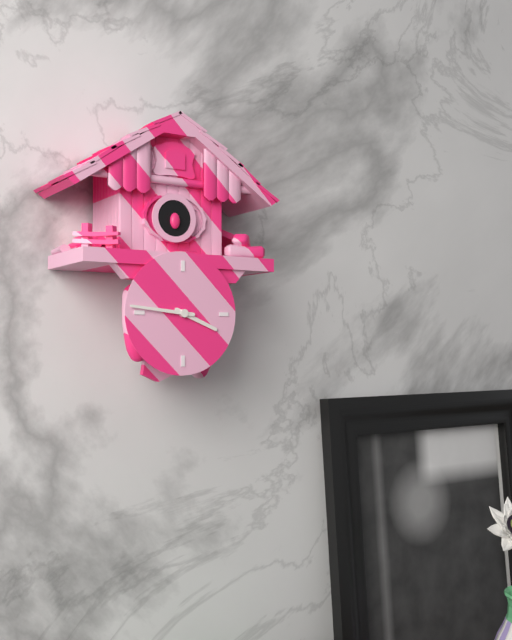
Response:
{"hour": 3, "minute": 46}
